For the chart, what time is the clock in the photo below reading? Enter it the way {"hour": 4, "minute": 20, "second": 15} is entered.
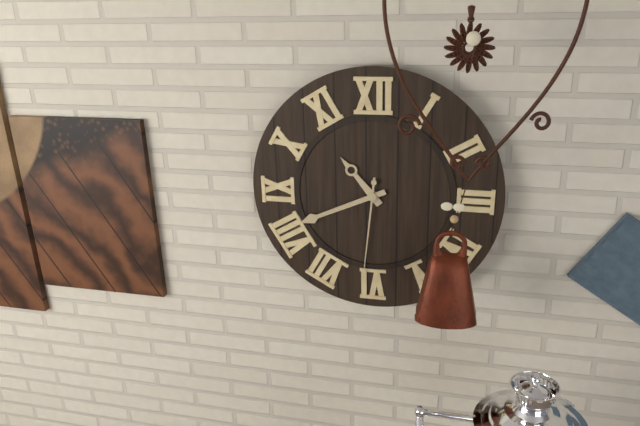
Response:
{"hour": 10, "minute": 41, "second": 31}
